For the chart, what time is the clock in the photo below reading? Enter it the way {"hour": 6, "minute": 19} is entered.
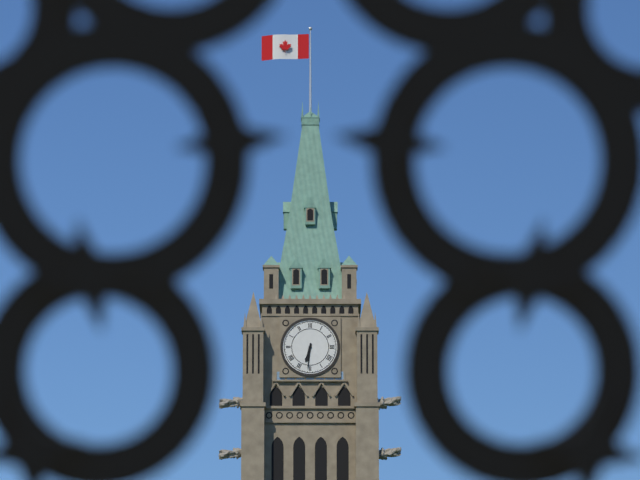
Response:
{"hour": 6, "minute": 31}
